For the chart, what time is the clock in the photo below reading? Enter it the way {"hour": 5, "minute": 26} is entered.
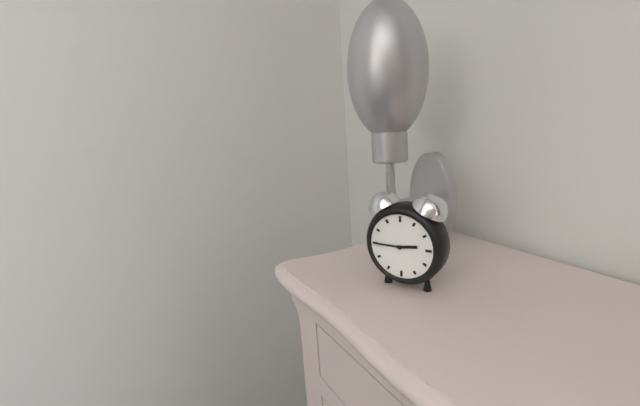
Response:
{"hour": 2, "minute": 45}
